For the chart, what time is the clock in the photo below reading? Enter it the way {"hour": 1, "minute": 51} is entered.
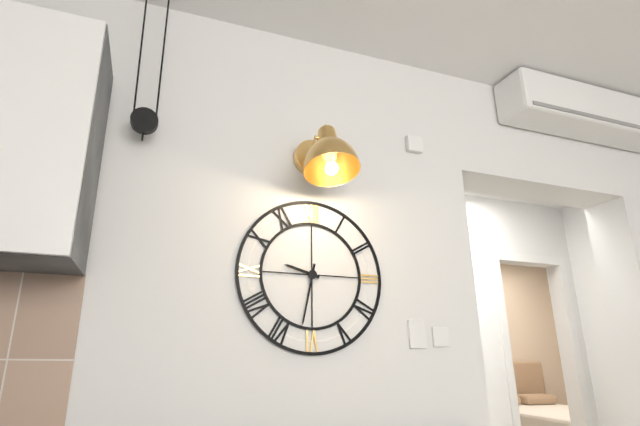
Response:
{"hour": 9, "minute": 32}
